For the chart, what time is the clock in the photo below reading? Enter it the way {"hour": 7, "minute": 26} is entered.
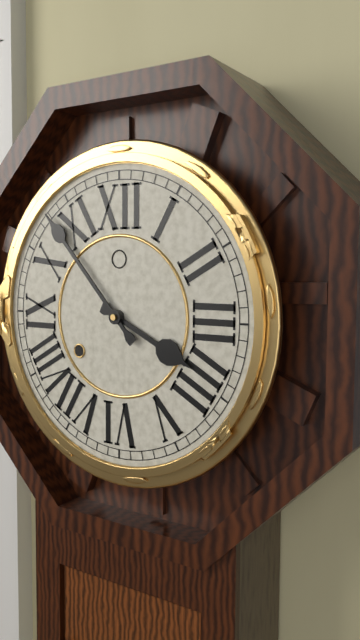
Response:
{"hour": 3, "minute": 53}
